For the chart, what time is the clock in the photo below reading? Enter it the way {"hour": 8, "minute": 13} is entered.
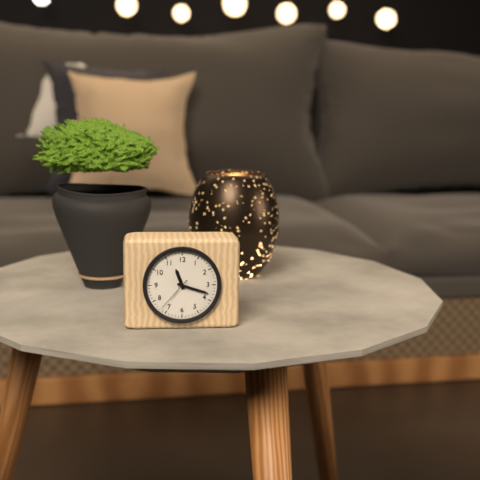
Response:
{"hour": 11, "minute": 18}
